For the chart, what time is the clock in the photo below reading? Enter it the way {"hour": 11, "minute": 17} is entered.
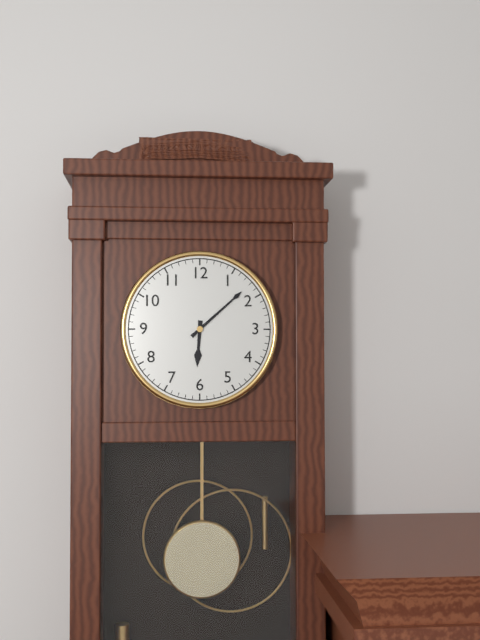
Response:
{"hour": 6, "minute": 8}
